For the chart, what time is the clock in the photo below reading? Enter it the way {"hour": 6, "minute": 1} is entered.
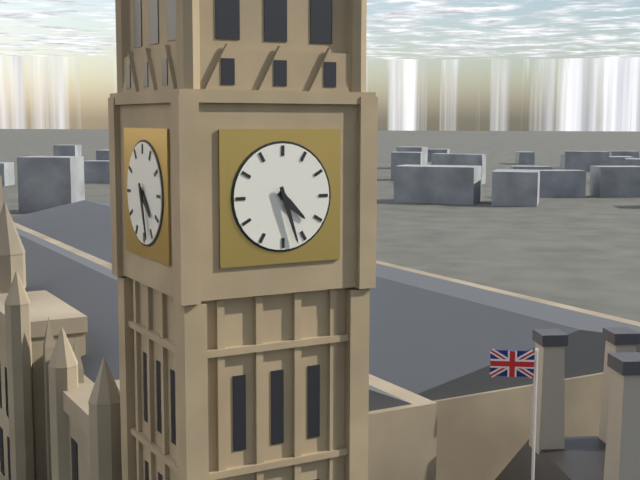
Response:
{"hour": 4, "minute": 27}
